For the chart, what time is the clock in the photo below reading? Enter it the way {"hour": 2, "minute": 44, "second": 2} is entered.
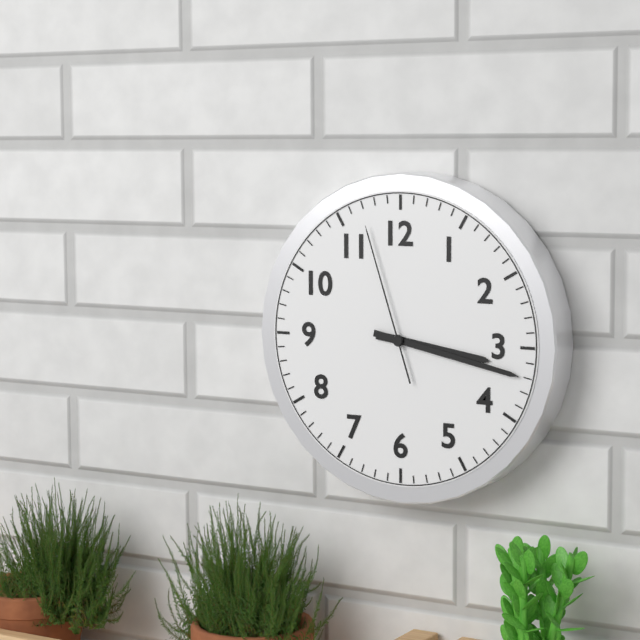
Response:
{"hour": 3, "minute": 17, "second": 57}
